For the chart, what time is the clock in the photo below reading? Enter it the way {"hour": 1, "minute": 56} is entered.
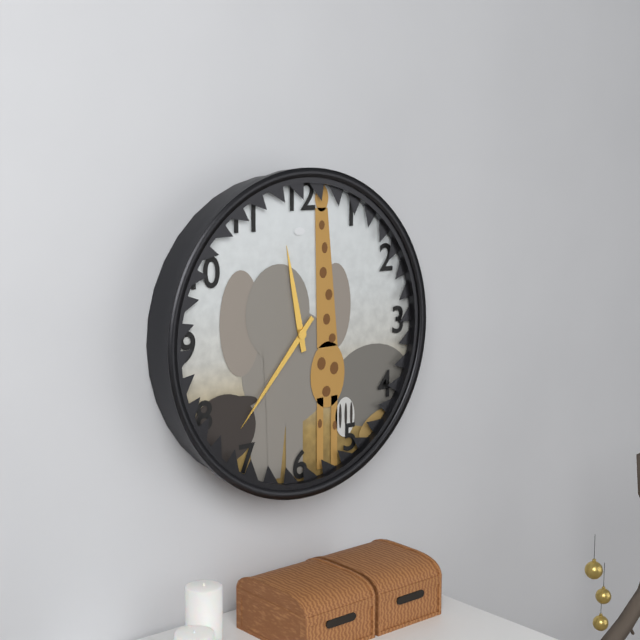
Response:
{"hour": 11, "minute": 37}
